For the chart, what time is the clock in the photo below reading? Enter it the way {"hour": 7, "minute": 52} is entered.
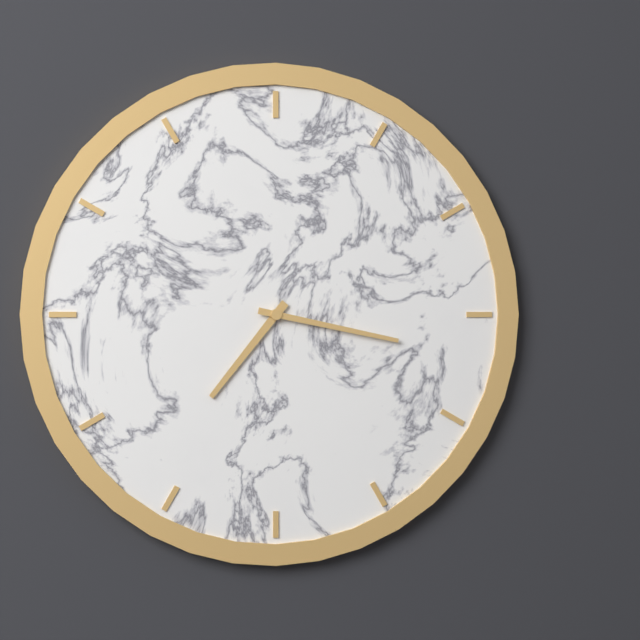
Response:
{"hour": 7, "minute": 17}
